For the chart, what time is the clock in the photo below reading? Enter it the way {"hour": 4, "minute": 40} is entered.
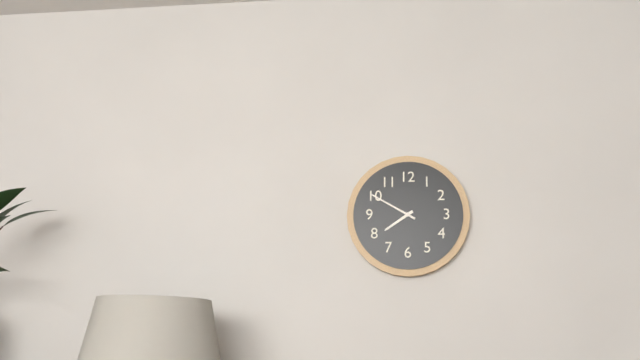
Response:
{"hour": 7, "minute": 50}
